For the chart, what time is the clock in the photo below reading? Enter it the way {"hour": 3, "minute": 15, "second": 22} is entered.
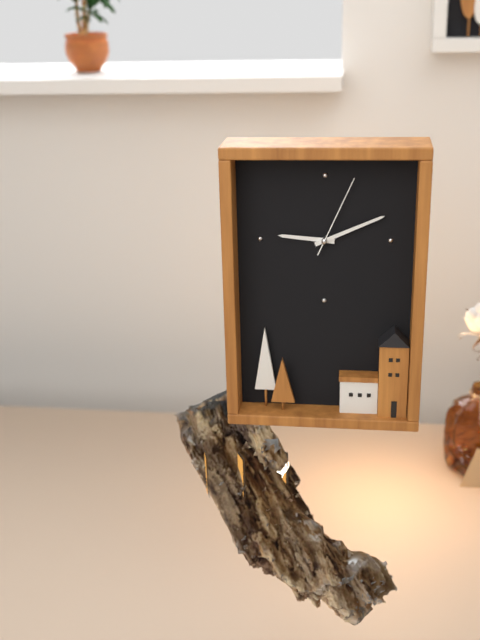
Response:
{"hour": 9, "minute": 11, "second": 4}
